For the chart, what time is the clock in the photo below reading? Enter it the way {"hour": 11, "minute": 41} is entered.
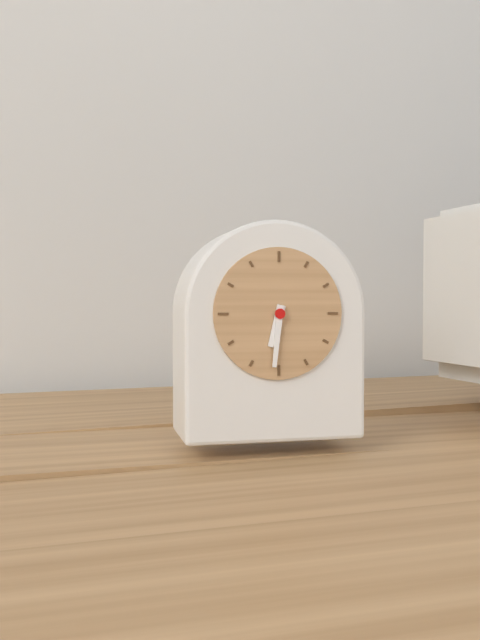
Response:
{"hour": 6, "minute": 31}
